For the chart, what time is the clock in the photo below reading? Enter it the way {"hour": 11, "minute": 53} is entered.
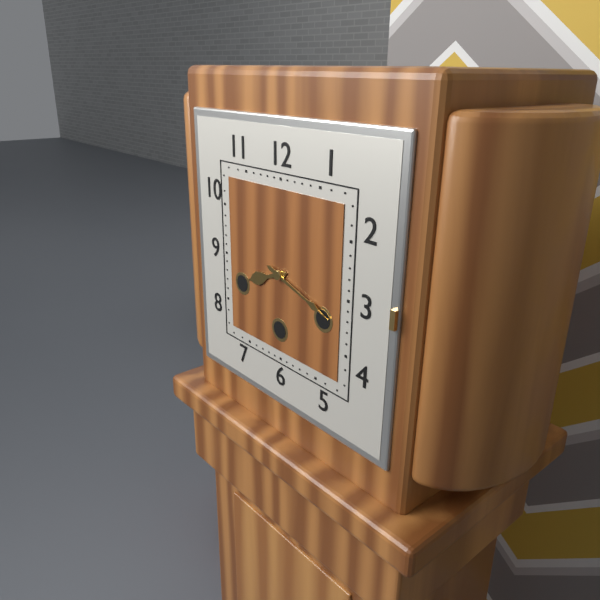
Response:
{"hour": 8, "minute": 18}
